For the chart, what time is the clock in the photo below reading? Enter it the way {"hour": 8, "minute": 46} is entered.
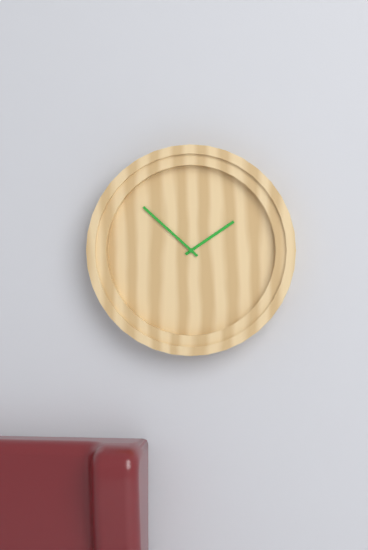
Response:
{"hour": 1, "minute": 52}
